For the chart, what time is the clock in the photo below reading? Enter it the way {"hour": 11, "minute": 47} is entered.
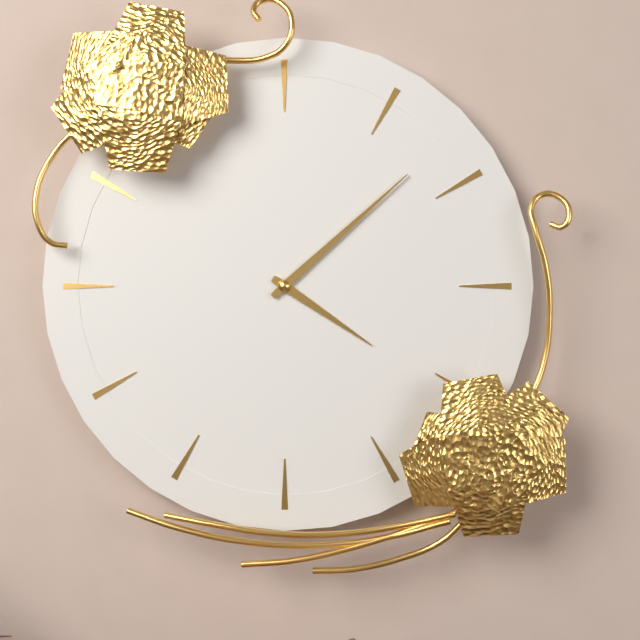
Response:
{"hour": 4, "minute": 8}
